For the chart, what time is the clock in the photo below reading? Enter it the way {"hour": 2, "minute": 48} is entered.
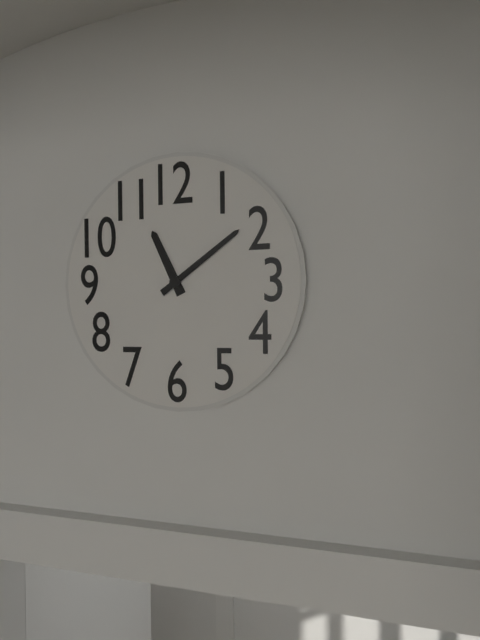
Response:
{"hour": 11, "minute": 9}
